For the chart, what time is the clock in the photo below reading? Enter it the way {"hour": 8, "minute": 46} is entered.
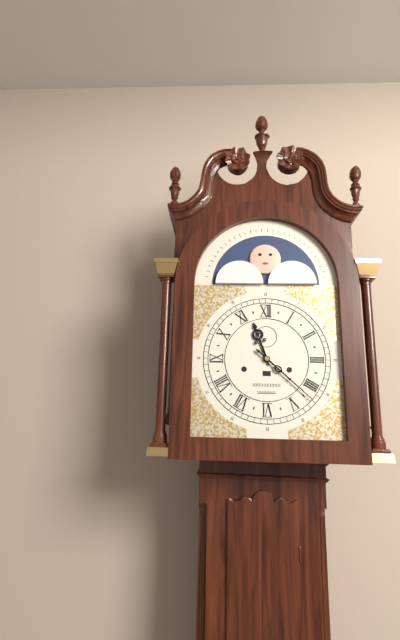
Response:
{"hour": 11, "minute": 22}
